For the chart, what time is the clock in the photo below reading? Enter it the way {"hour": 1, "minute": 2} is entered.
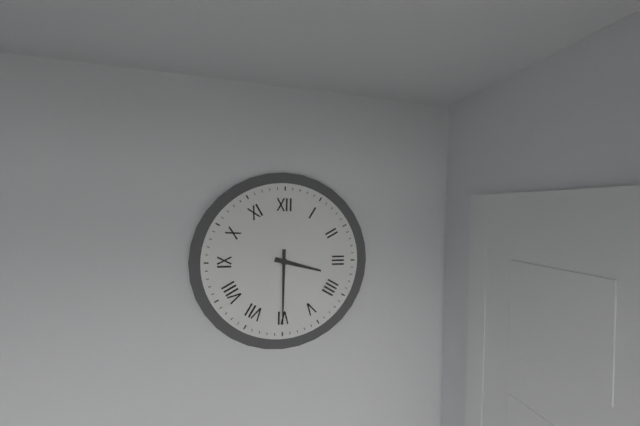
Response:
{"hour": 3, "minute": 30}
